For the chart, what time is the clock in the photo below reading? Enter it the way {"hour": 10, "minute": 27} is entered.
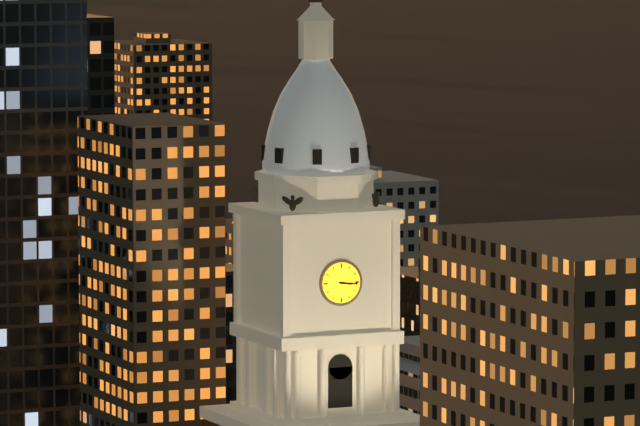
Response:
{"hour": 3, "minute": 16}
